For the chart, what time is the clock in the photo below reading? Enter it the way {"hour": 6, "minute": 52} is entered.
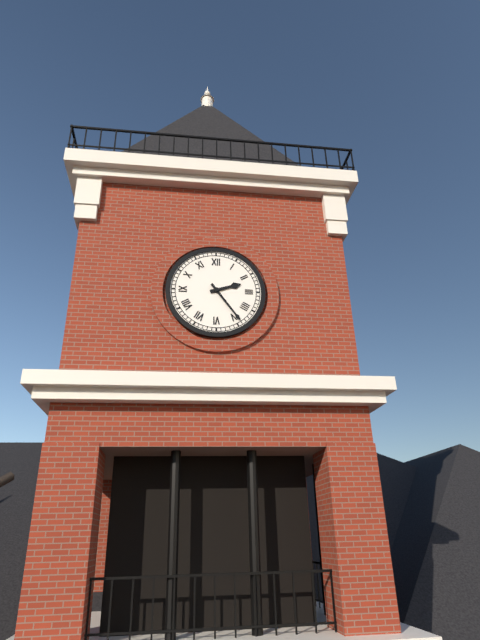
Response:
{"hour": 2, "minute": 24}
